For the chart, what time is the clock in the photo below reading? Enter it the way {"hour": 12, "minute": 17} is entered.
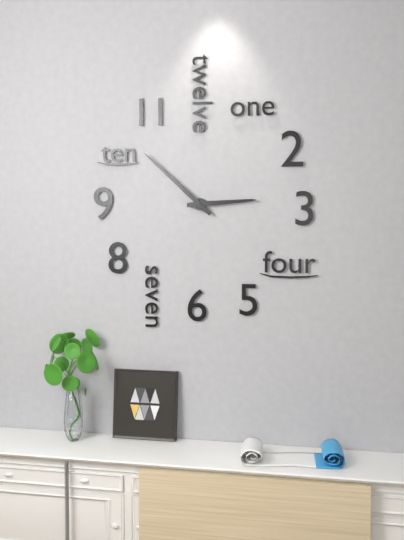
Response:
{"hour": 2, "minute": 52}
